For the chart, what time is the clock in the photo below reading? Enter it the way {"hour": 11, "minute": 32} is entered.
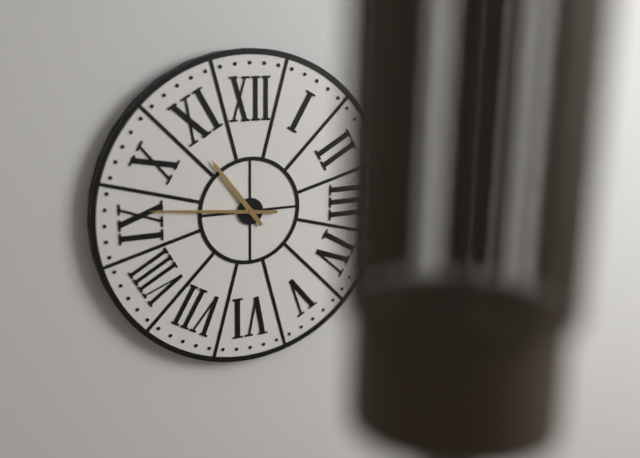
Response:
{"hour": 10, "minute": 46}
